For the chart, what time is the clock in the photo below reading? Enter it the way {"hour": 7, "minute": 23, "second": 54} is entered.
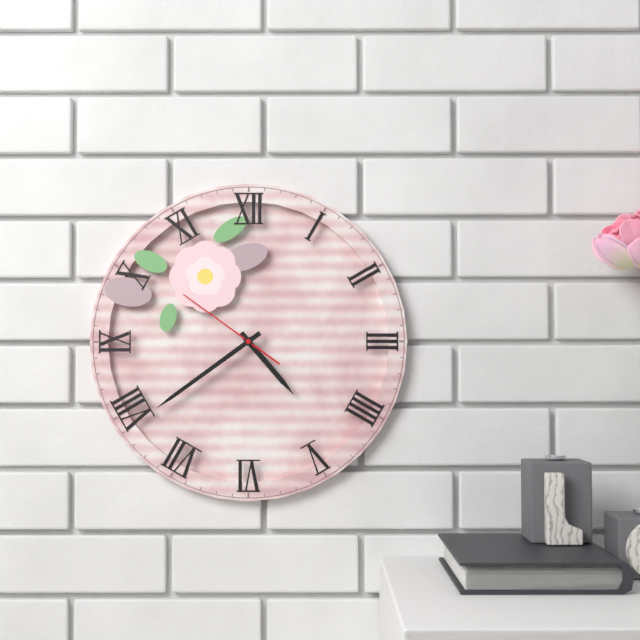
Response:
{"hour": 4, "minute": 39, "second": 51}
